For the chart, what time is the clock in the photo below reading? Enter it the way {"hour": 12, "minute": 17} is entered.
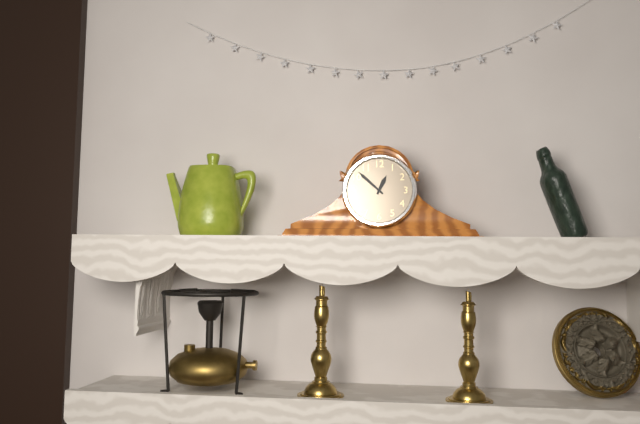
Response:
{"hour": 12, "minute": 52}
